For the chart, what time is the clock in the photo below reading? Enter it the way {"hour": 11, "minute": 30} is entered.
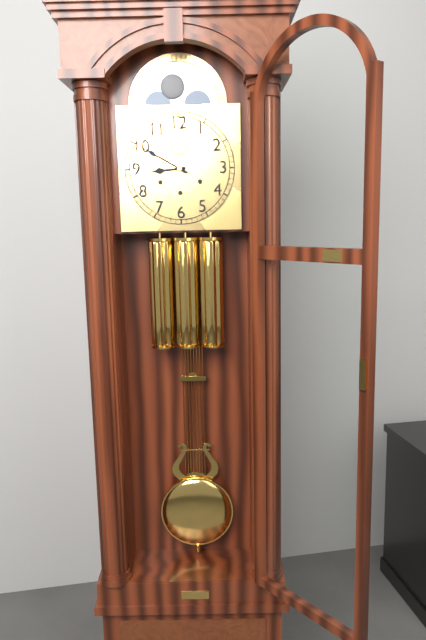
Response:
{"hour": 8, "minute": 50}
